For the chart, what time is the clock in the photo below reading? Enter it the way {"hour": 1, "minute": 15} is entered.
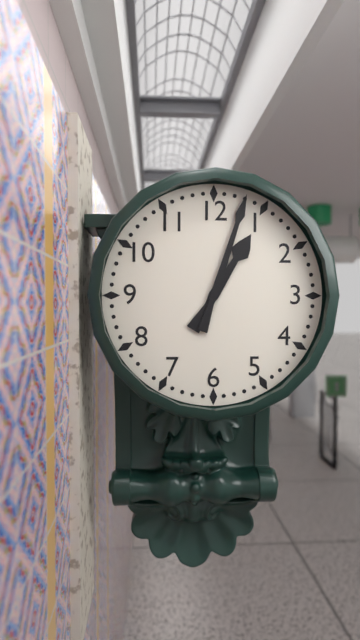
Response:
{"hour": 1, "minute": 3}
